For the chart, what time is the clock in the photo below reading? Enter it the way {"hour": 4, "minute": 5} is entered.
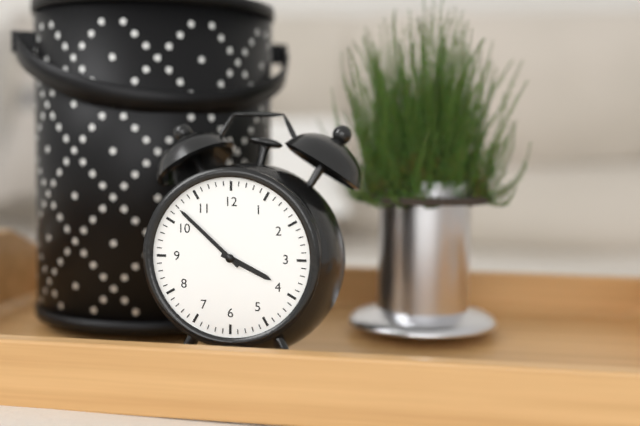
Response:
{"hour": 3, "minute": 52}
